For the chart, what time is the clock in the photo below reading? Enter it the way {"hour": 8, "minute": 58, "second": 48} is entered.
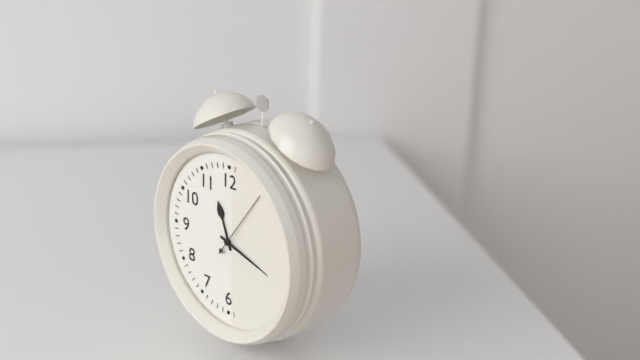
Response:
{"hour": 11, "minute": 18, "second": 6}
